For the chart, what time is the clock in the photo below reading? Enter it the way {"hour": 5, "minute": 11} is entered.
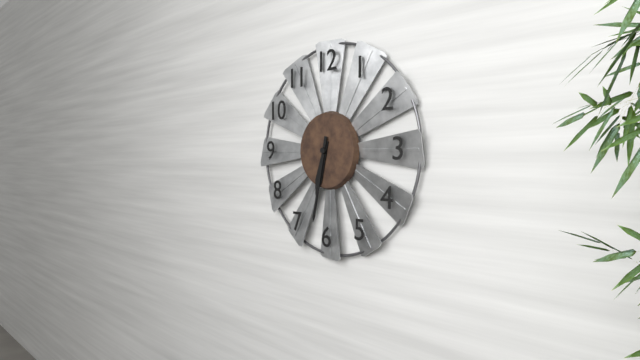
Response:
{"hour": 6, "minute": 32}
